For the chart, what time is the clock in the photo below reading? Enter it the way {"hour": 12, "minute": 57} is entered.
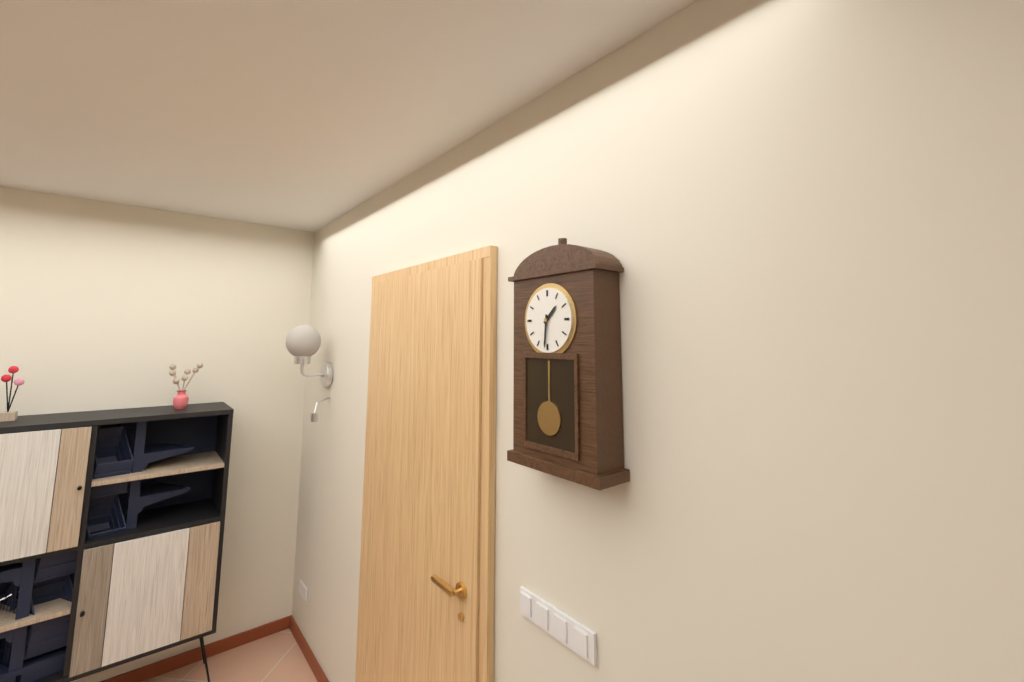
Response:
{"hour": 1, "minute": 31}
